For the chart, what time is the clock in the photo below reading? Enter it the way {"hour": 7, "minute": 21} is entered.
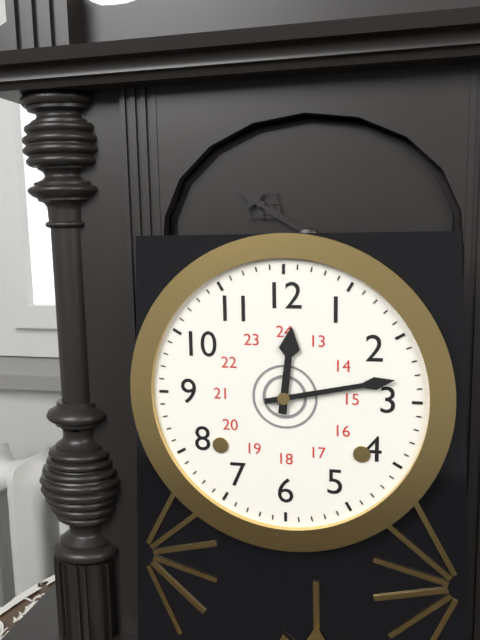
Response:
{"hour": 12, "minute": 13}
